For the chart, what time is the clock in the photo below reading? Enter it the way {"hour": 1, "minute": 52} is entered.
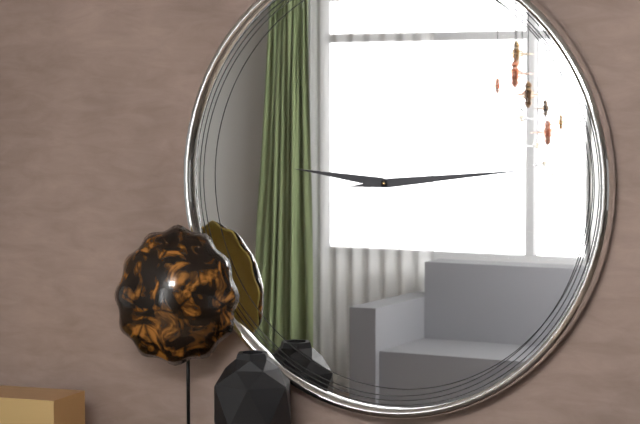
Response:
{"hour": 9, "minute": 14}
